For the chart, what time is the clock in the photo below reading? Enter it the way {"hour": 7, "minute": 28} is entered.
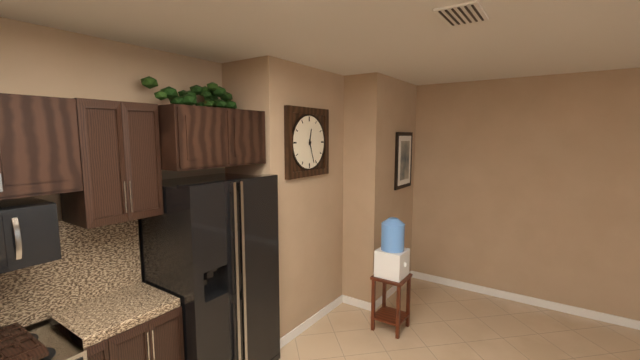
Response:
{"hour": 12, "minute": 27}
